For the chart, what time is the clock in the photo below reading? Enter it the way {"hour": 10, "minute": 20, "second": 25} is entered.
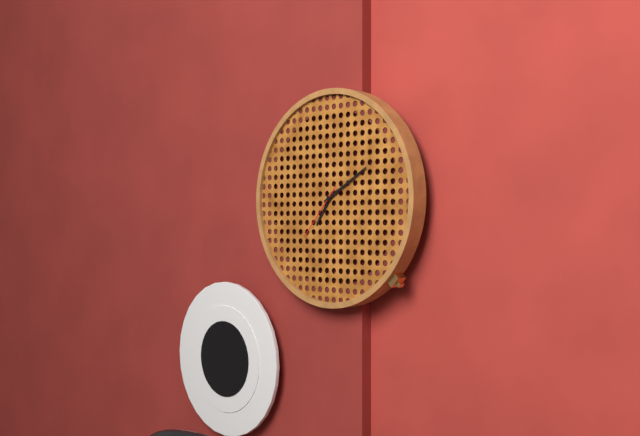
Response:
{"hour": 7, "minute": 10, "second": 37}
